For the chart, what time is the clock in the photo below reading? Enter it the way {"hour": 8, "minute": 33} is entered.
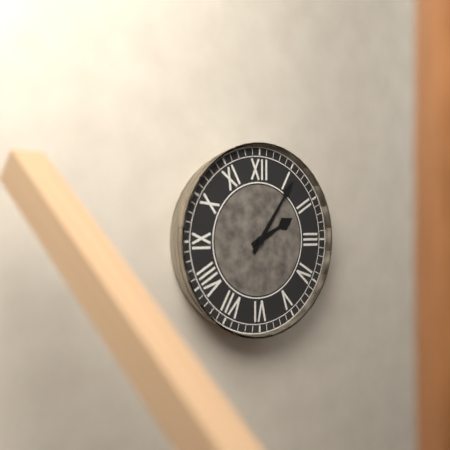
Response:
{"hour": 2, "minute": 6}
